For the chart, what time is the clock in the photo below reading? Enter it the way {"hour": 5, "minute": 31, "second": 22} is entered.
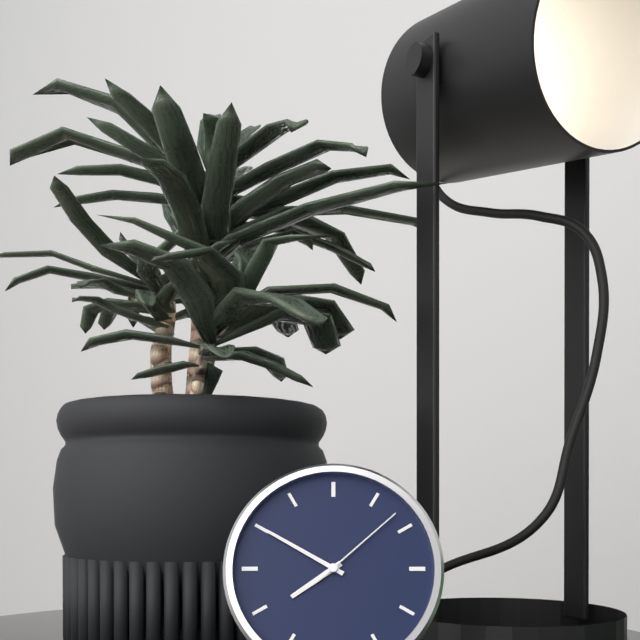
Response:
{"hour": 7, "minute": 50, "second": 8}
